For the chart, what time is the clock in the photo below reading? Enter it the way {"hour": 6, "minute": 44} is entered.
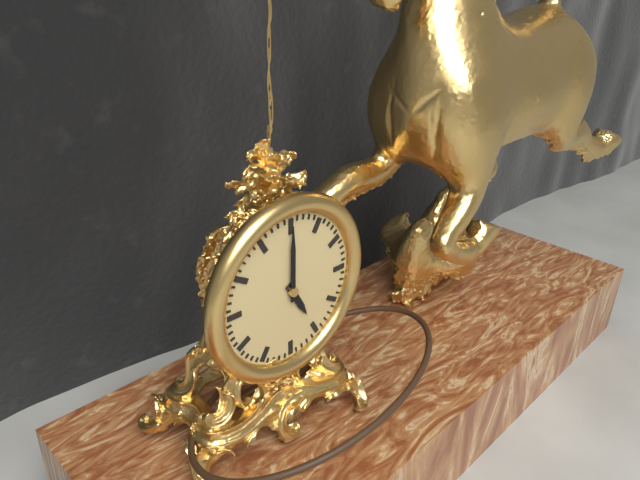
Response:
{"hour": 5, "minute": 0}
